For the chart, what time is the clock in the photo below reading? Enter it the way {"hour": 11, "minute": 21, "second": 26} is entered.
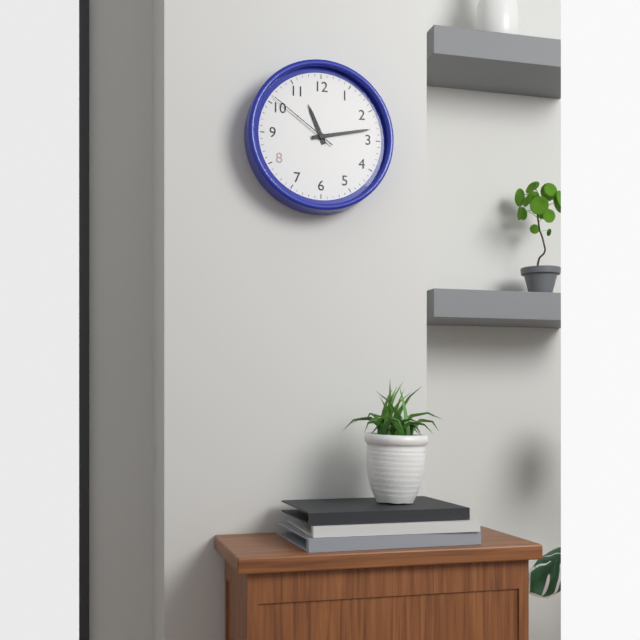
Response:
{"hour": 11, "minute": 13, "second": 51}
